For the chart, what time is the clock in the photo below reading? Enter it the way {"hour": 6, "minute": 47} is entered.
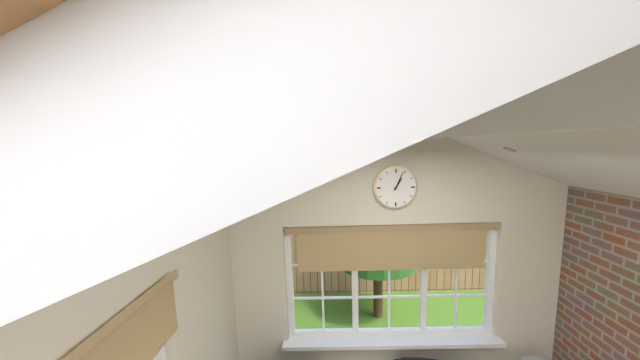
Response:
{"hour": 1, "minute": 4}
